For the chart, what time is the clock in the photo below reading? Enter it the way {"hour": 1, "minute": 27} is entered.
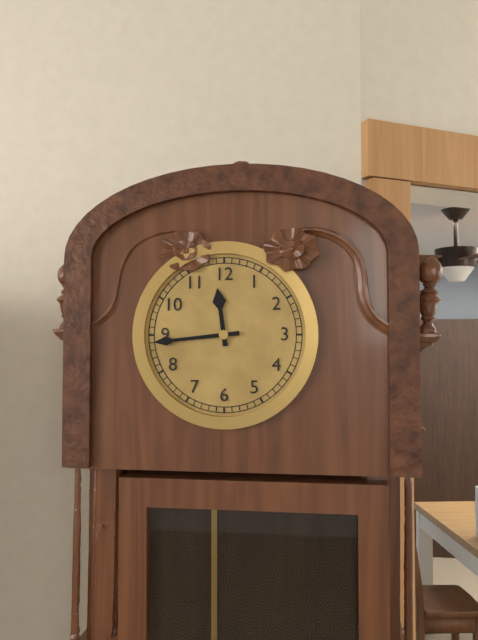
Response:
{"hour": 11, "minute": 44}
